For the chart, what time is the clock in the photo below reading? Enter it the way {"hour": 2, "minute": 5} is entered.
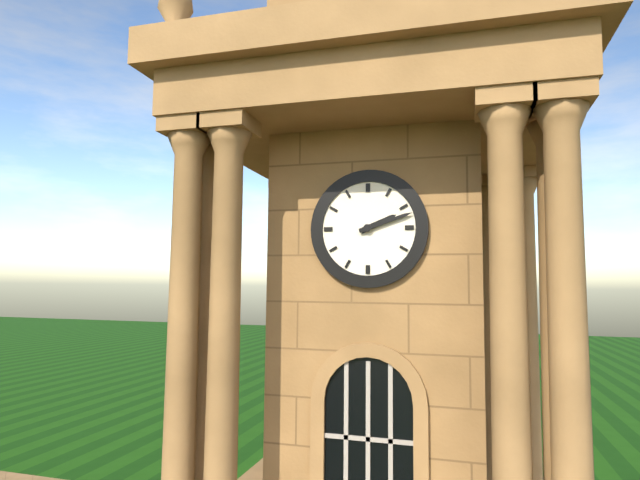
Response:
{"hour": 2, "minute": 12}
